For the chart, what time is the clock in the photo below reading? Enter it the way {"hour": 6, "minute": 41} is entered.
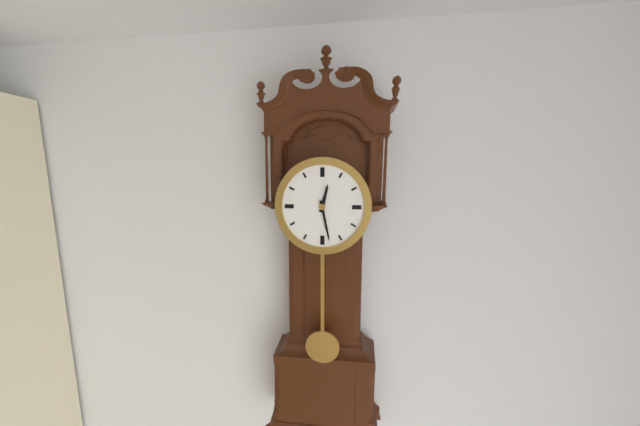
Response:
{"hour": 12, "minute": 28}
